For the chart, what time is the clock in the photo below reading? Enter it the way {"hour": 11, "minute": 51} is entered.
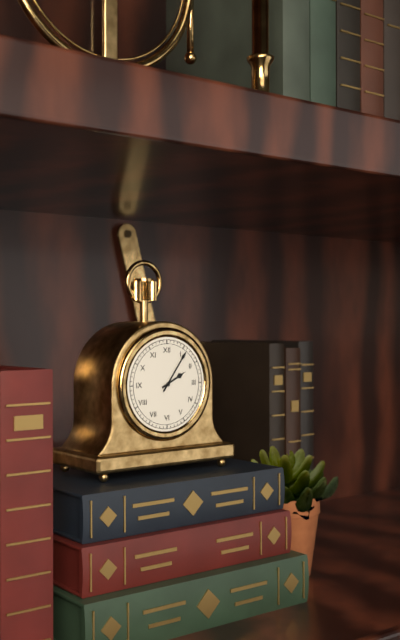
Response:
{"hour": 2, "minute": 6}
